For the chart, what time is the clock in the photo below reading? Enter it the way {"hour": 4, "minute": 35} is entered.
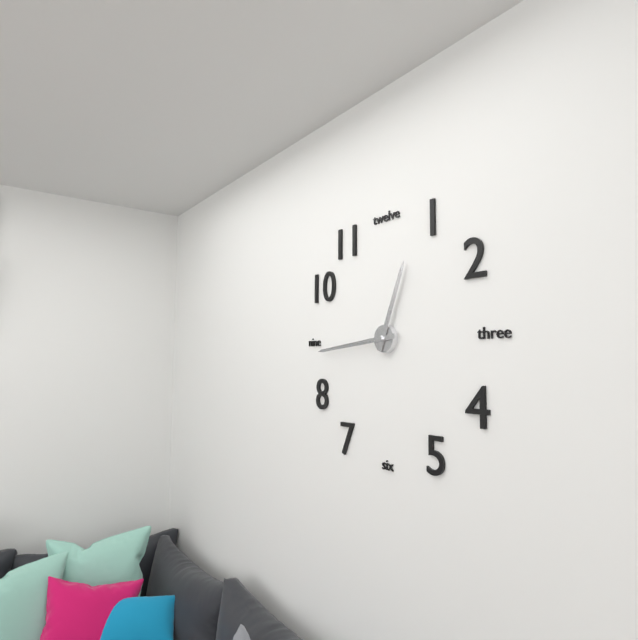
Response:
{"hour": 12, "minute": 44}
